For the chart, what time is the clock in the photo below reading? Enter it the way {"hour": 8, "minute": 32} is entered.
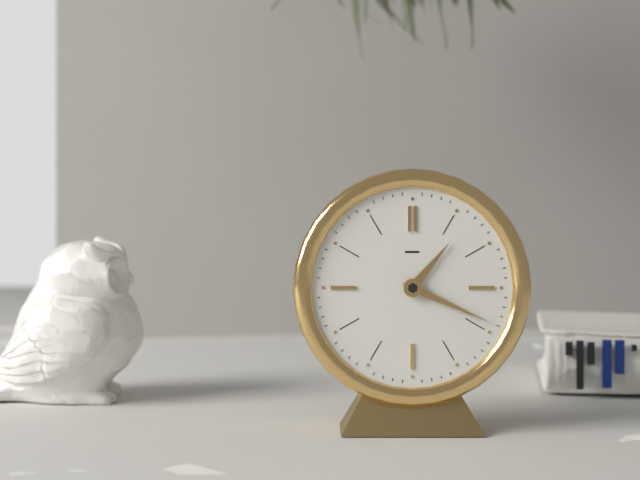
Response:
{"hour": 1, "minute": 19}
